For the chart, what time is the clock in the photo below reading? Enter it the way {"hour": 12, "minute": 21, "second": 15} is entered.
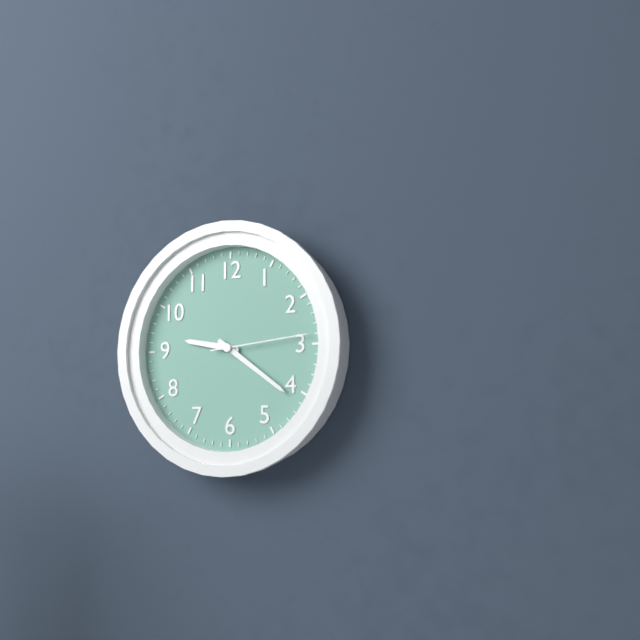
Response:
{"hour": 9, "minute": 21, "second": 14}
